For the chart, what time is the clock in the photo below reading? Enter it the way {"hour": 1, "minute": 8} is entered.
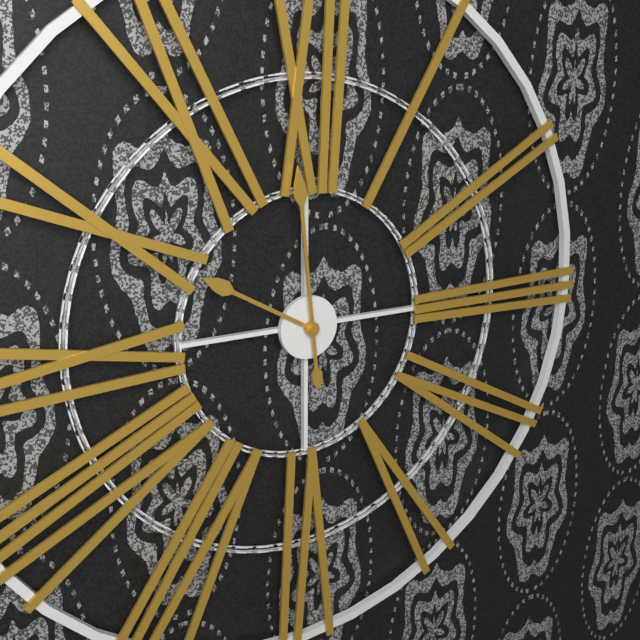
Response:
{"hour": 9, "minute": 59}
